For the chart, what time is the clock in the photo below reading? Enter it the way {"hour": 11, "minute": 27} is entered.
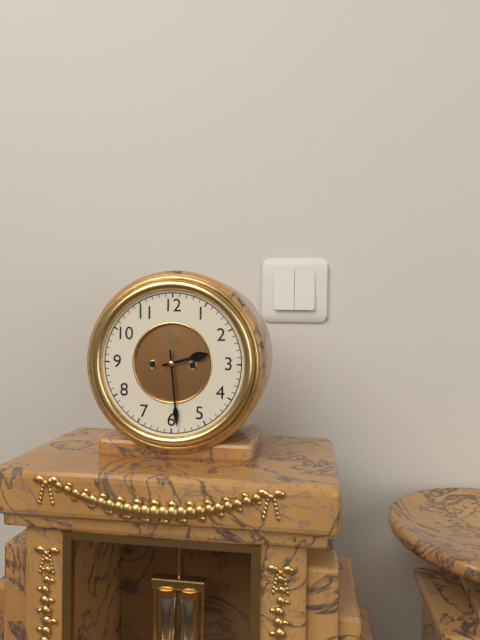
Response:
{"hour": 2, "minute": 29}
